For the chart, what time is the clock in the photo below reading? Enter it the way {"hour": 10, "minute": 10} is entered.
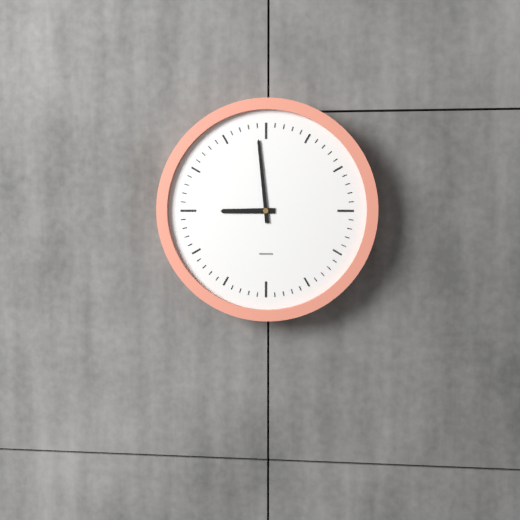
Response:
{"hour": 8, "minute": 59}
